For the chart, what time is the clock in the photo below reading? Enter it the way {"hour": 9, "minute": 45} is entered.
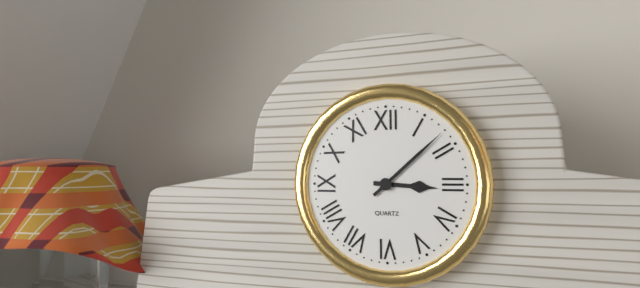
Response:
{"hour": 3, "minute": 8}
